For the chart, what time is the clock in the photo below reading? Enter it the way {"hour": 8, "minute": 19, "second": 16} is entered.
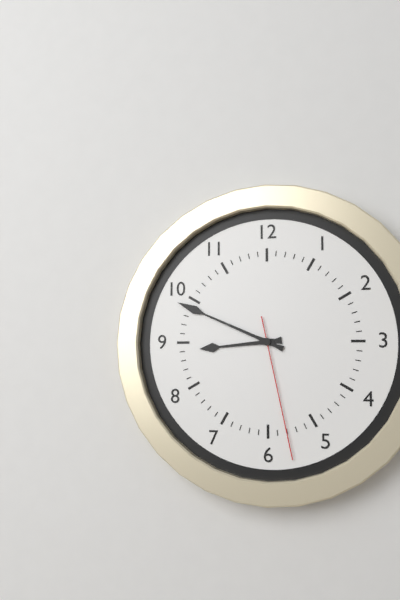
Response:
{"hour": 8, "minute": 49, "second": 28}
